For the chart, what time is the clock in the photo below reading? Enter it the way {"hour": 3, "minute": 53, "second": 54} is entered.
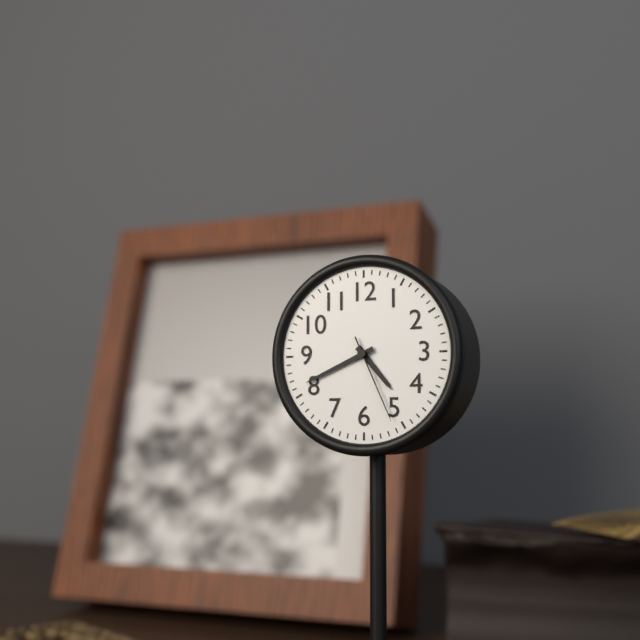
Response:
{"hour": 4, "minute": 41, "second": 26}
